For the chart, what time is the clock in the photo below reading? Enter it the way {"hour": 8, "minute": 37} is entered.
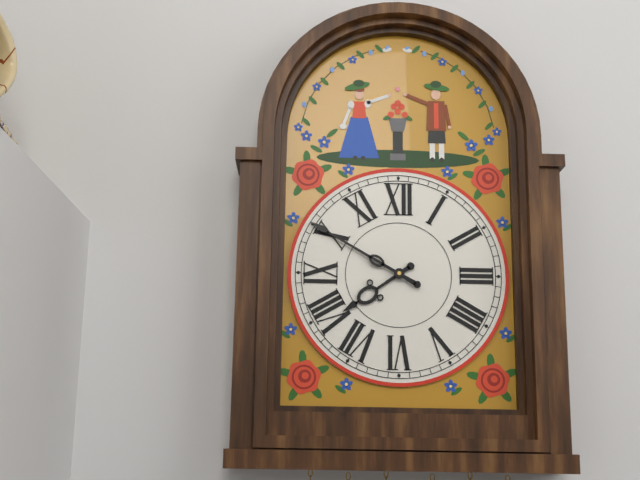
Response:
{"hour": 7, "minute": 50}
